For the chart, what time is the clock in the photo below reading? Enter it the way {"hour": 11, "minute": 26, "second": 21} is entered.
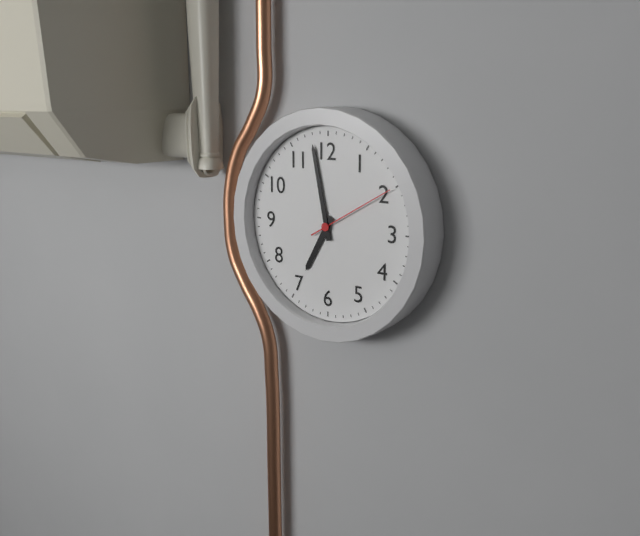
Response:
{"hour": 6, "minute": 58, "second": 10}
